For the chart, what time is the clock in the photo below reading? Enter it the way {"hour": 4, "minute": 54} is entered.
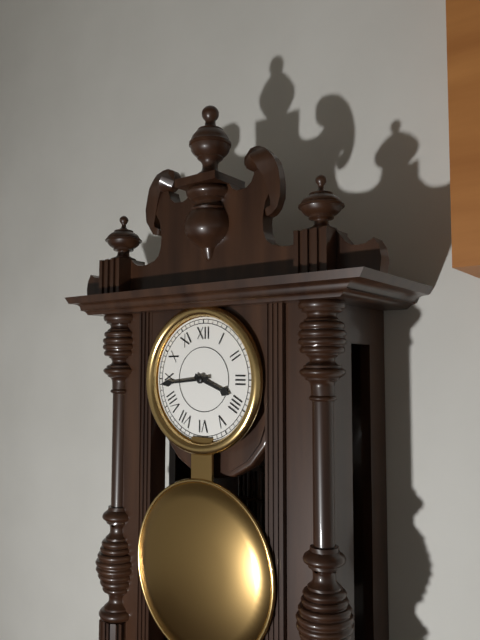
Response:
{"hour": 3, "minute": 44}
